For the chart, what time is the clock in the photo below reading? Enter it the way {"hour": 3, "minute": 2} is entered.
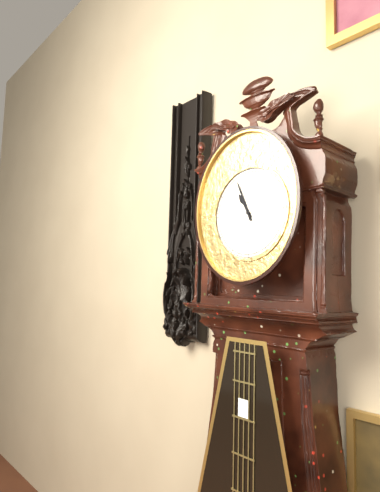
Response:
{"hour": 10, "minute": 56}
